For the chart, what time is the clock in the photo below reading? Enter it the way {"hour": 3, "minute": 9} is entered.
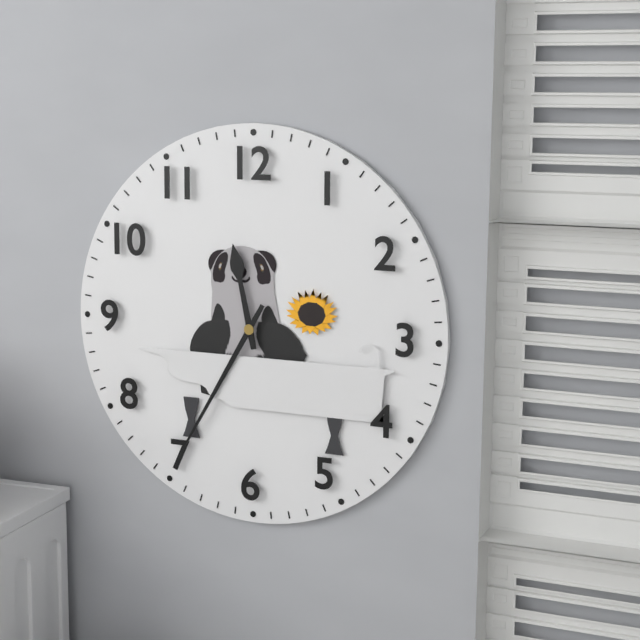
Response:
{"hour": 11, "minute": 35}
